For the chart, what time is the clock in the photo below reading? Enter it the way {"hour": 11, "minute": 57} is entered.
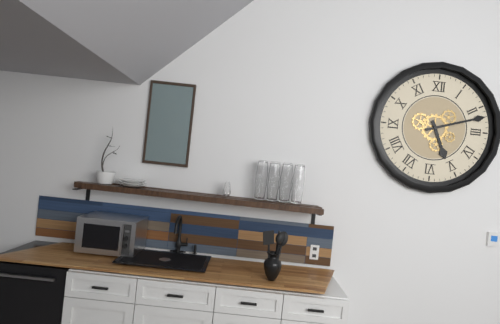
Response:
{"hour": 5, "minute": 12}
